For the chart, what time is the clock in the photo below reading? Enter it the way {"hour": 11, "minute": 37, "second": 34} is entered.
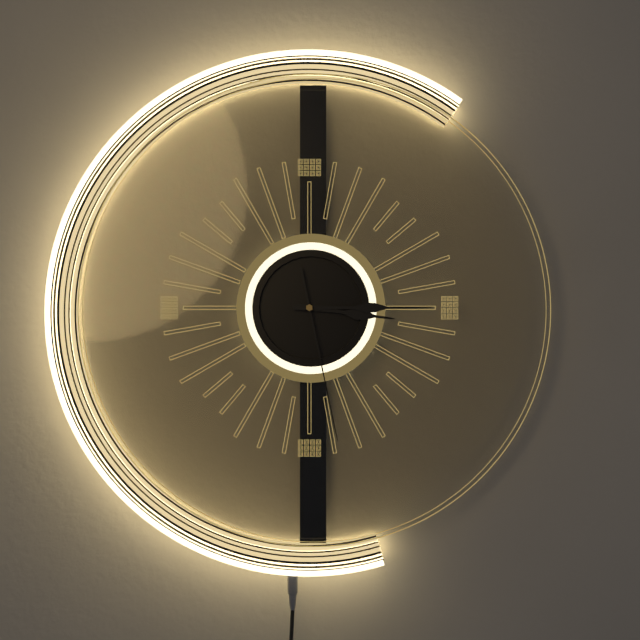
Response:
{"hour": 3, "minute": 15, "second": 28}
